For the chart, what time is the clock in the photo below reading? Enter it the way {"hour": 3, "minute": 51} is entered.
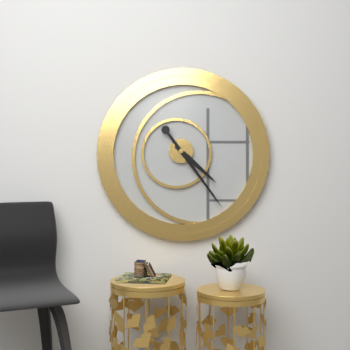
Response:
{"hour": 4, "minute": 24}
